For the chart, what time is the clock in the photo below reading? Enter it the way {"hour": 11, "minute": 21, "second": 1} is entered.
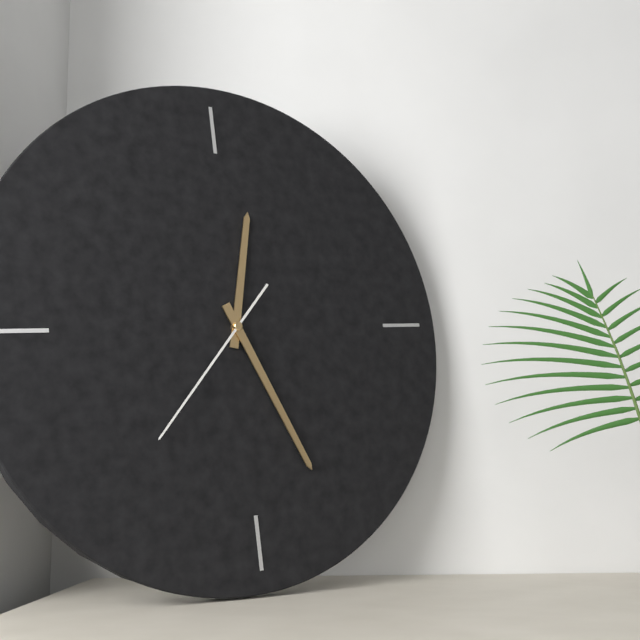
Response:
{"hour": 12, "minute": 26, "second": 37}
